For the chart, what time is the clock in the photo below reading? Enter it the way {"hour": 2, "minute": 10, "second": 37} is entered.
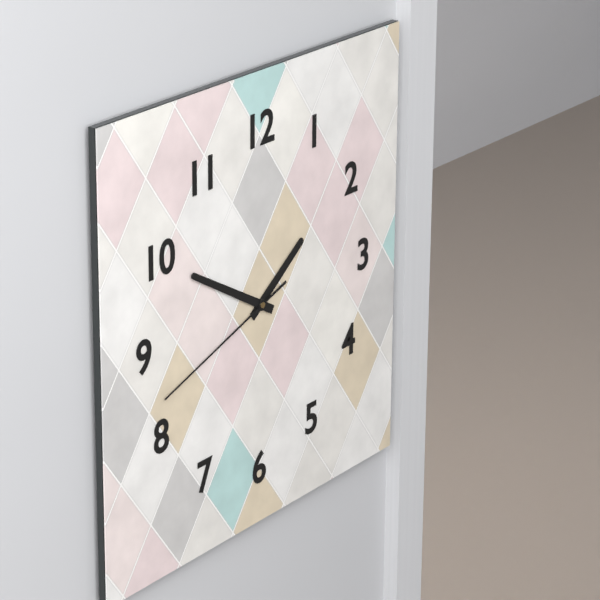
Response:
{"hour": 1, "minute": 50, "second": 42}
